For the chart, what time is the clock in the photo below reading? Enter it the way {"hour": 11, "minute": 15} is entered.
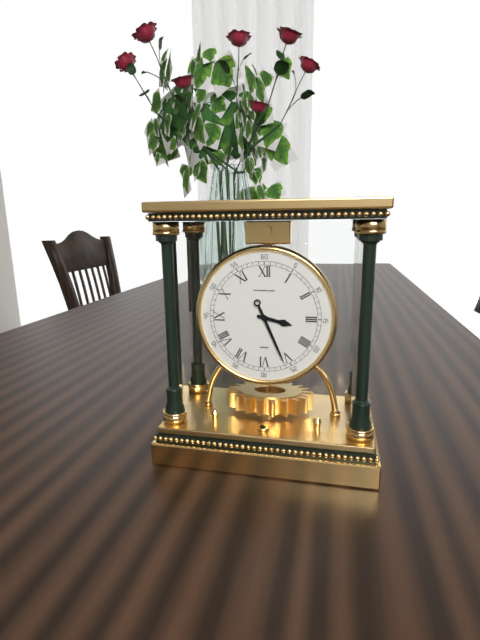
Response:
{"hour": 3, "minute": 26}
